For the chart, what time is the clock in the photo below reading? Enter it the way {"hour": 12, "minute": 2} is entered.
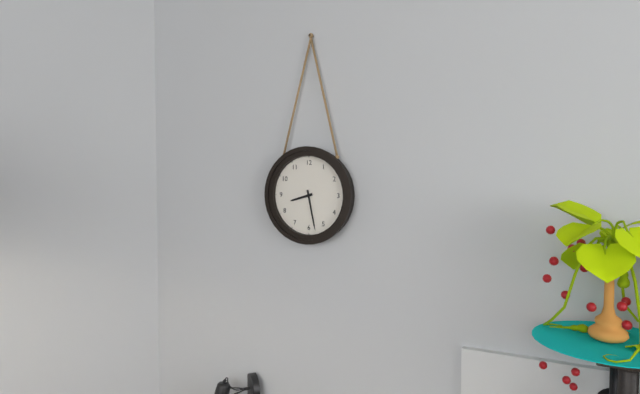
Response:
{"hour": 8, "minute": 28}
